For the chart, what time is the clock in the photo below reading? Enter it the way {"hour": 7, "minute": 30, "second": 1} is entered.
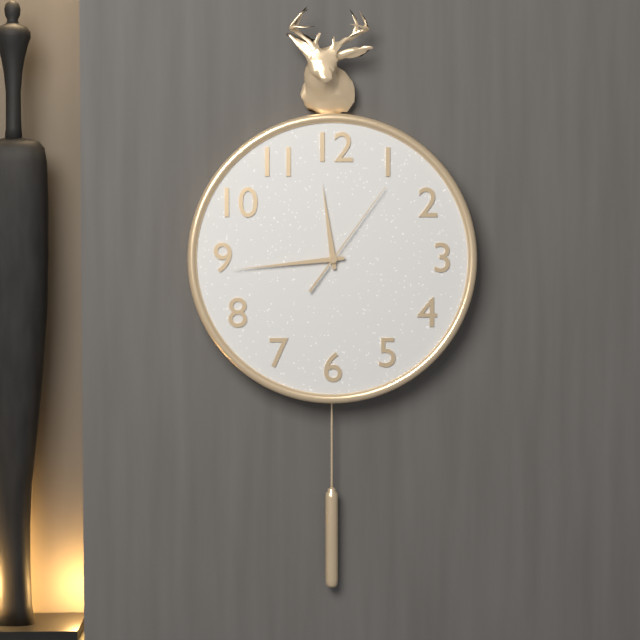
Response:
{"hour": 11, "minute": 44, "second": 6}
